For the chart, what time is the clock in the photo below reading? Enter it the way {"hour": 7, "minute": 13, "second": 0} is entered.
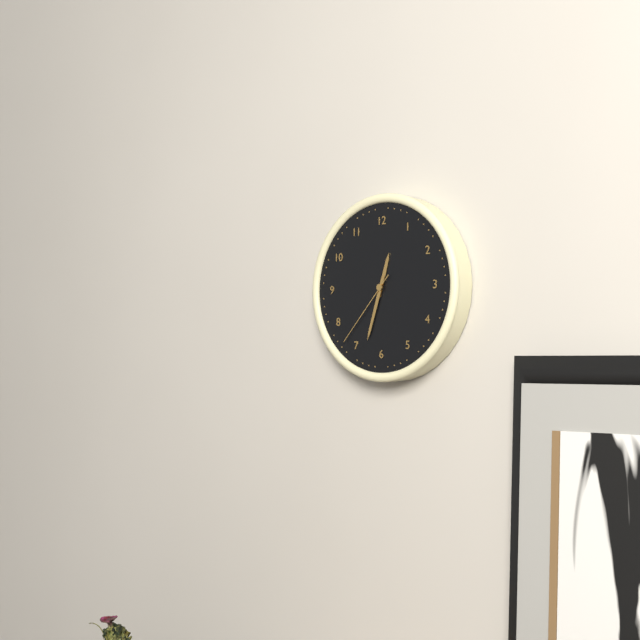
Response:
{"hour": 12, "minute": 33, "second": 37}
